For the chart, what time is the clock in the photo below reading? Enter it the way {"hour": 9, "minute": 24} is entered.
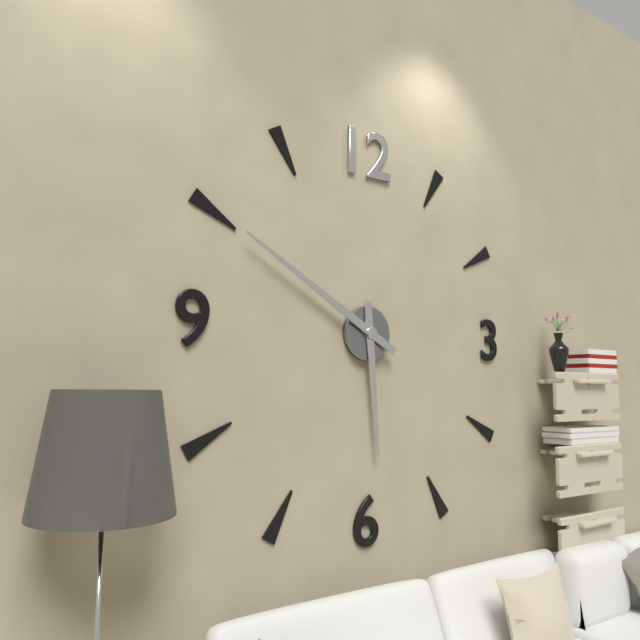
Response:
{"hour": 5, "minute": 50}
